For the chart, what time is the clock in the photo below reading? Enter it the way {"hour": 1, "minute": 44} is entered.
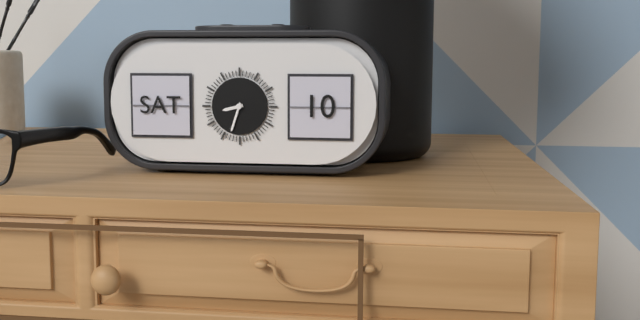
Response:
{"hour": 8, "minute": 33}
